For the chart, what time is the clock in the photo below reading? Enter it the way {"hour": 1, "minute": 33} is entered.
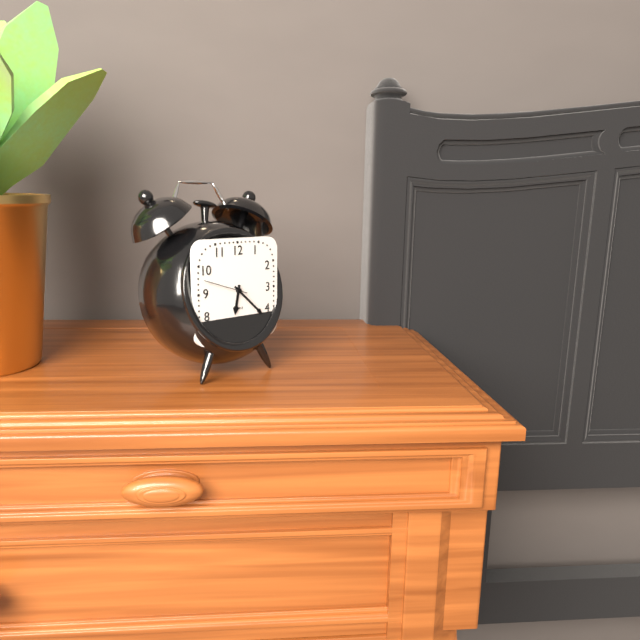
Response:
{"hour": 6, "minute": 22}
